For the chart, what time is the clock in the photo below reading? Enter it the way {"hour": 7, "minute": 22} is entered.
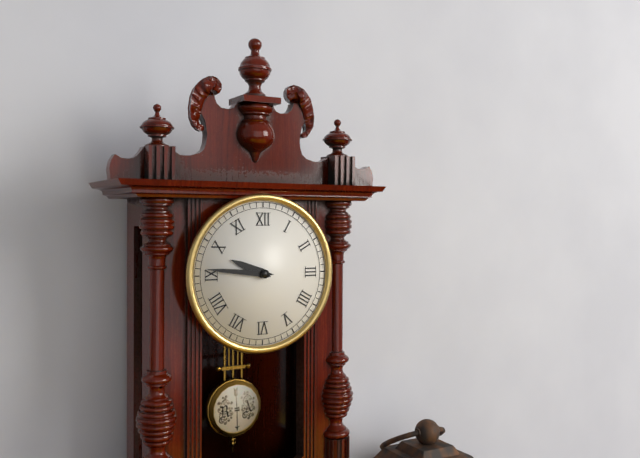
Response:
{"hour": 9, "minute": 46}
